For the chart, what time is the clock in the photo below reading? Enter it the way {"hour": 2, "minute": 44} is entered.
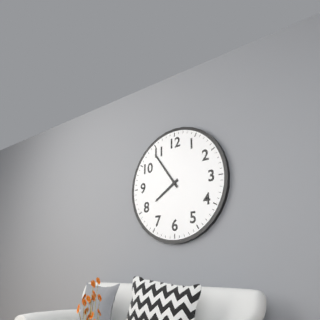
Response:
{"hour": 7, "minute": 54}
